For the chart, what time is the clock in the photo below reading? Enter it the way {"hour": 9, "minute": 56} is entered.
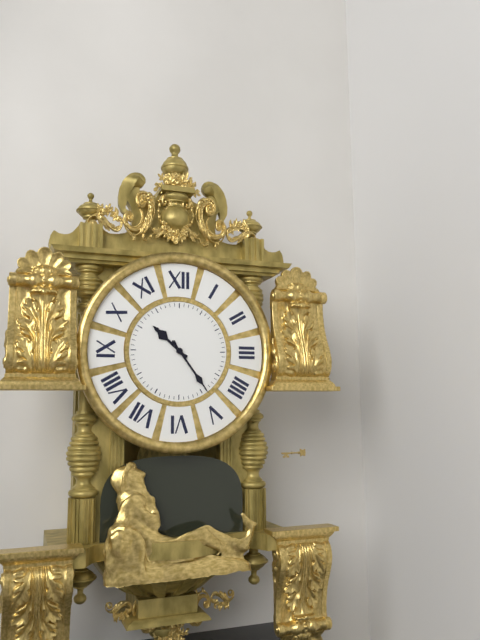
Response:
{"hour": 10, "minute": 24}
